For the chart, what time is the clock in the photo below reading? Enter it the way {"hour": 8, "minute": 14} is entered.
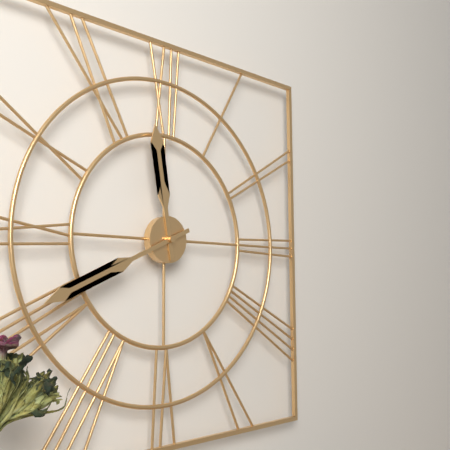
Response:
{"hour": 11, "minute": 41}
